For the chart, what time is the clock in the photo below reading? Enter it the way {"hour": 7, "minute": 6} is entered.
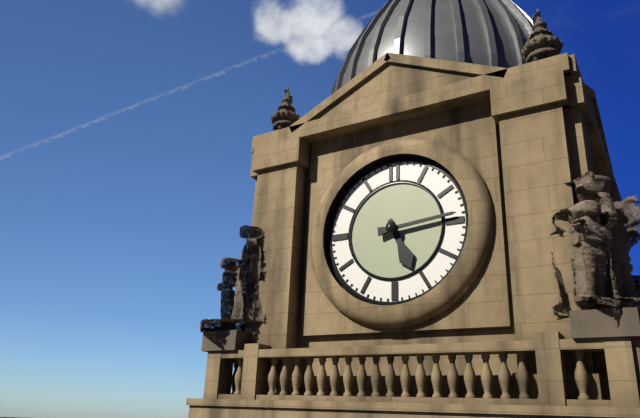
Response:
{"hour": 5, "minute": 14}
